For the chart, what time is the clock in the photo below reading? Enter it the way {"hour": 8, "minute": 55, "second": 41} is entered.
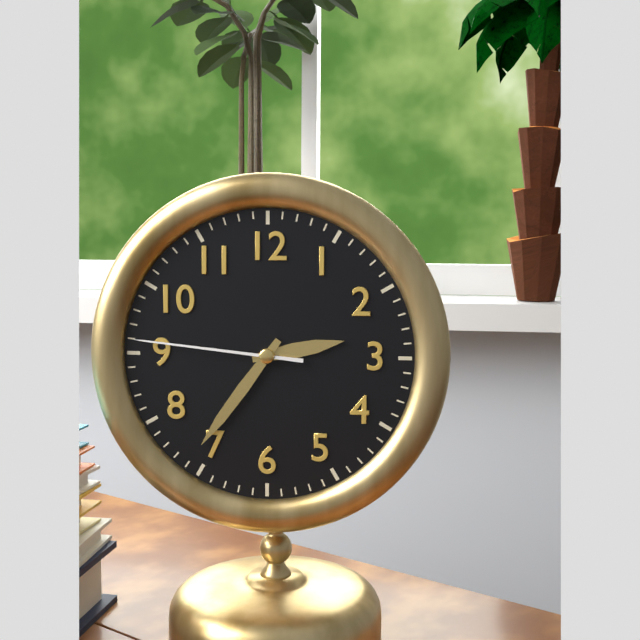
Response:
{"hour": 2, "minute": 36, "second": 46}
